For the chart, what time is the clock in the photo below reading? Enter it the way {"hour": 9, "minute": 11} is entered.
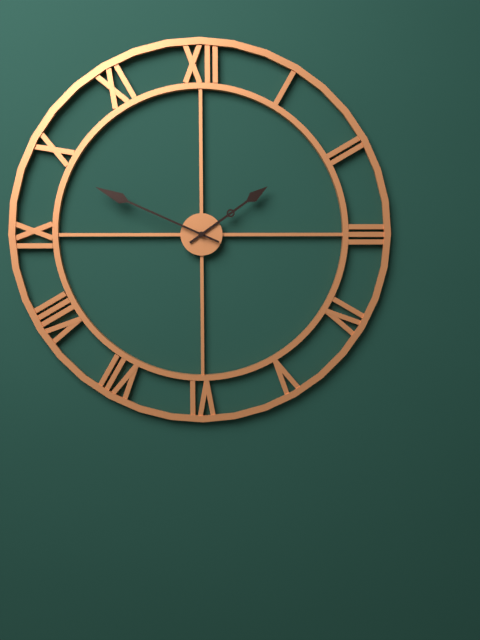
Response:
{"hour": 1, "minute": 49}
